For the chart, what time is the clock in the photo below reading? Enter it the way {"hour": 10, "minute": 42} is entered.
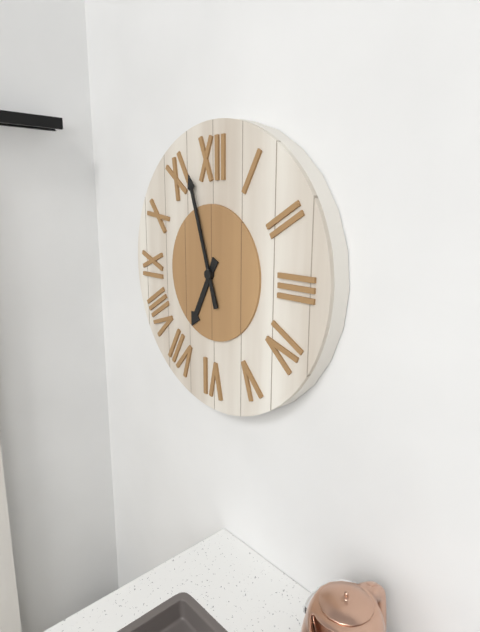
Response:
{"hour": 6, "minute": 57}
